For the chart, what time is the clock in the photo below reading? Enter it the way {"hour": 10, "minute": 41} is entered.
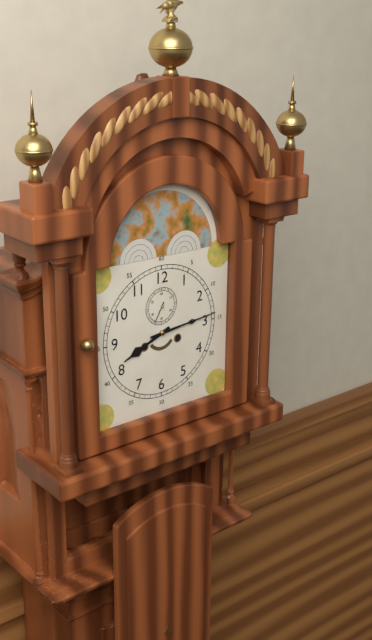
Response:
{"hour": 8, "minute": 14}
